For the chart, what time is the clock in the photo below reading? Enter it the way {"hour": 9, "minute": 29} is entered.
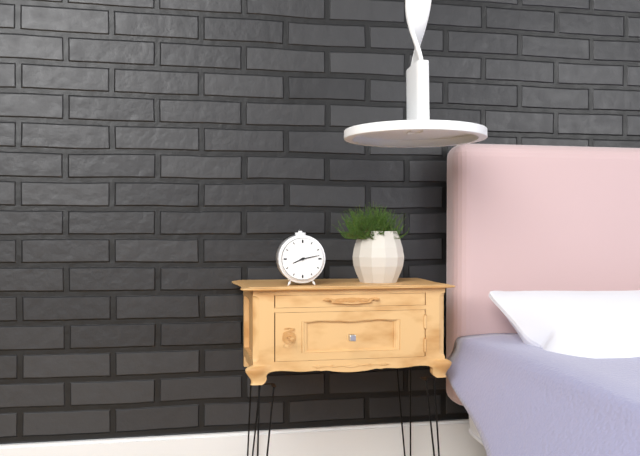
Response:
{"hour": 8, "minute": 13}
